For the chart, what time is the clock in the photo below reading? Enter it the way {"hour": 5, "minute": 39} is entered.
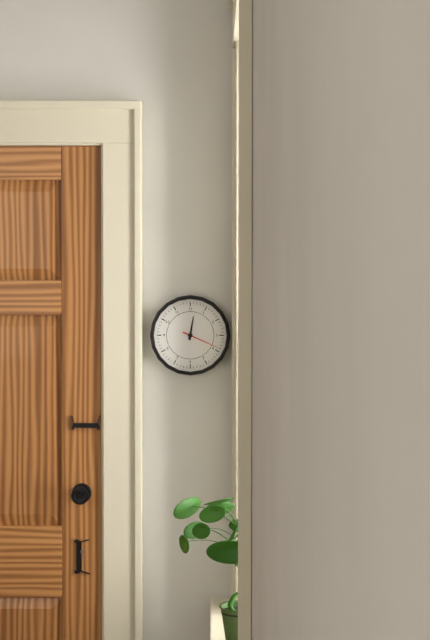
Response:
{"hour": 12, "minute": 19}
